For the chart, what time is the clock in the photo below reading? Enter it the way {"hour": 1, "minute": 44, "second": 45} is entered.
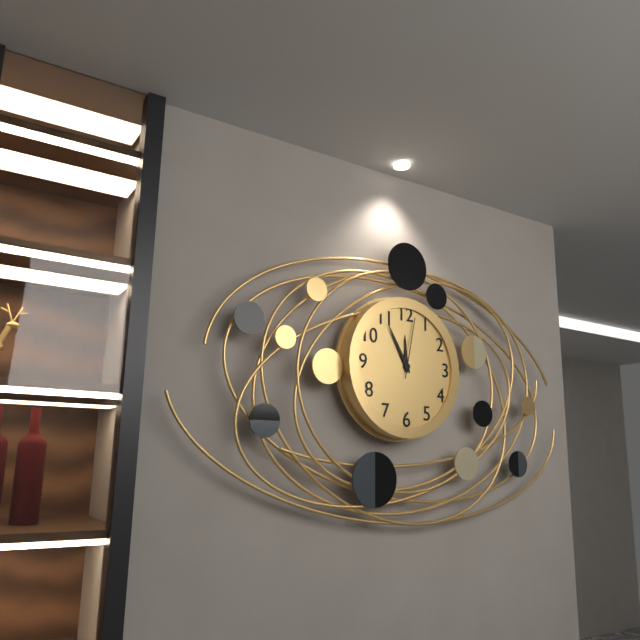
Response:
{"hour": 11, "minute": 55, "second": 2}
